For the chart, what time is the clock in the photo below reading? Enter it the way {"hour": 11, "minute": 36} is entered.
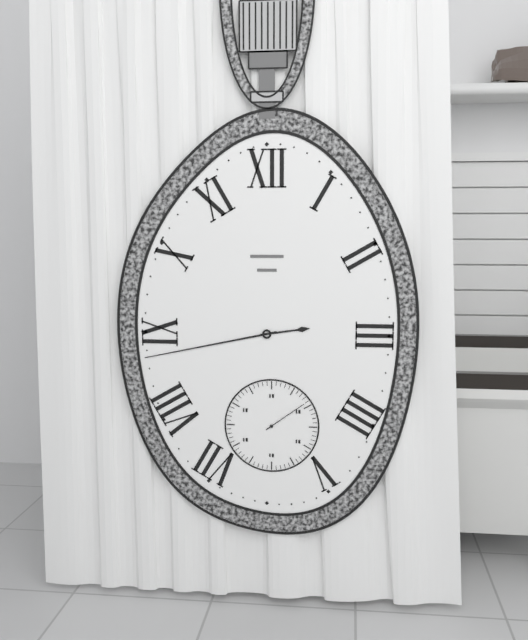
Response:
{"hour": 2, "minute": 43}
